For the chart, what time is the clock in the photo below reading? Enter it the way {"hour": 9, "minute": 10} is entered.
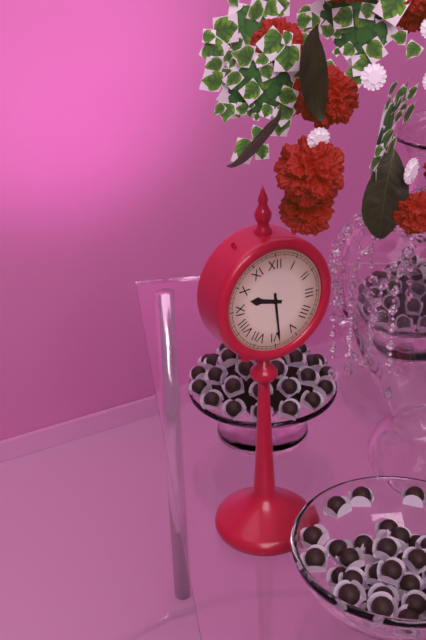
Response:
{"hour": 9, "minute": 29}
